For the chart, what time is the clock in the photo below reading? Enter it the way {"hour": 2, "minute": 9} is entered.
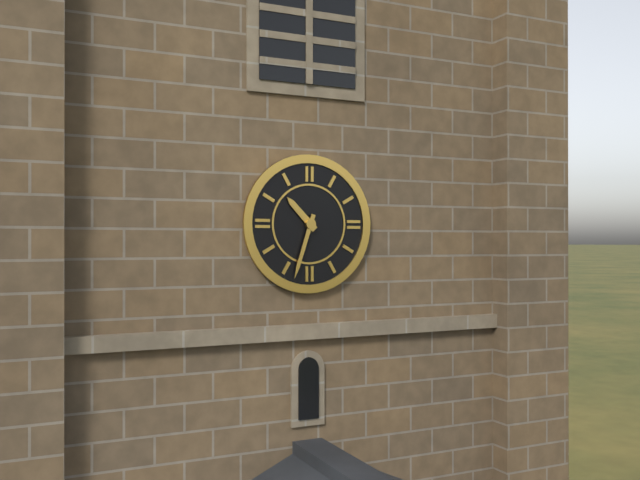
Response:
{"hour": 10, "minute": 33}
